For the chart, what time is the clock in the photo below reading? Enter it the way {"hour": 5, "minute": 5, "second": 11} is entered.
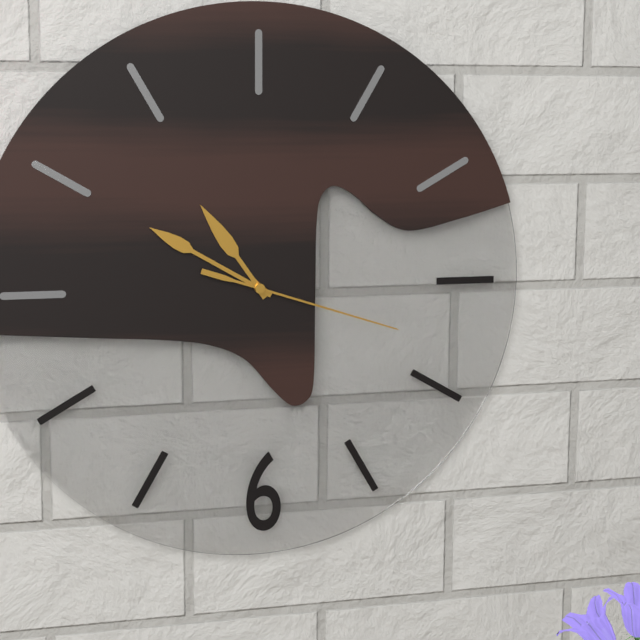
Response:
{"hour": 10, "minute": 50, "second": 18}
